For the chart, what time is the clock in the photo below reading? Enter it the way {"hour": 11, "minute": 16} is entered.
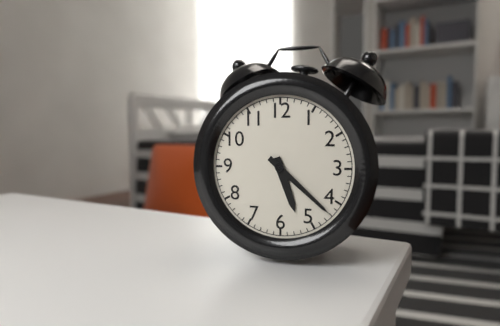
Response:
{"hour": 5, "minute": 22}
